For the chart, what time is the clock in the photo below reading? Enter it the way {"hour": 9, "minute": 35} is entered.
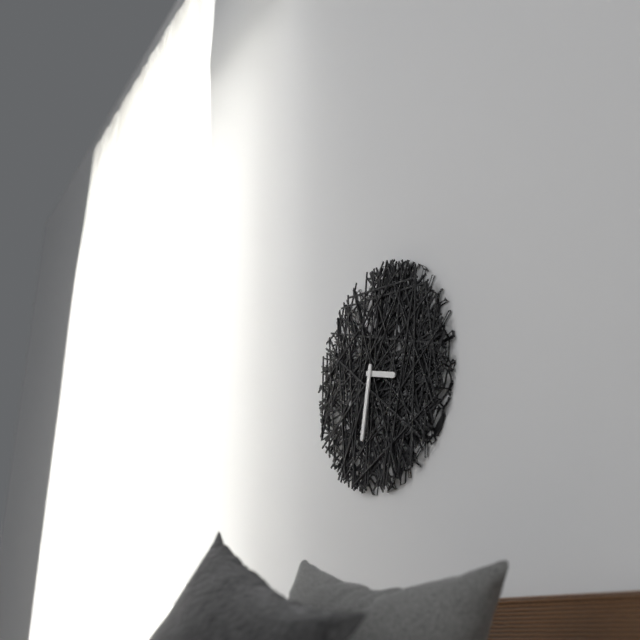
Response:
{"hour": 3, "minute": 32}
